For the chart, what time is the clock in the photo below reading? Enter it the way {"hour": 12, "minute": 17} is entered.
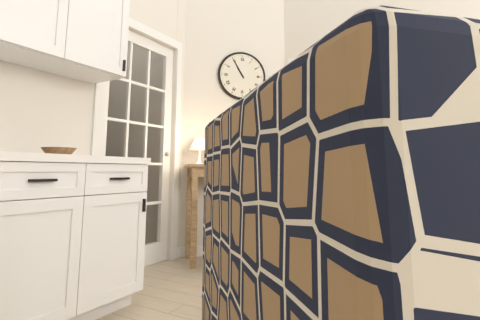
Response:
{"hour": 10, "minute": 55}
